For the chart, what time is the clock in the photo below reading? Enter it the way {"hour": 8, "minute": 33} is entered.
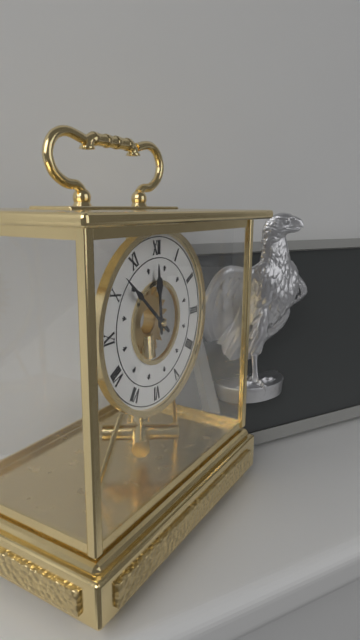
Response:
{"hour": 11, "minute": 52}
